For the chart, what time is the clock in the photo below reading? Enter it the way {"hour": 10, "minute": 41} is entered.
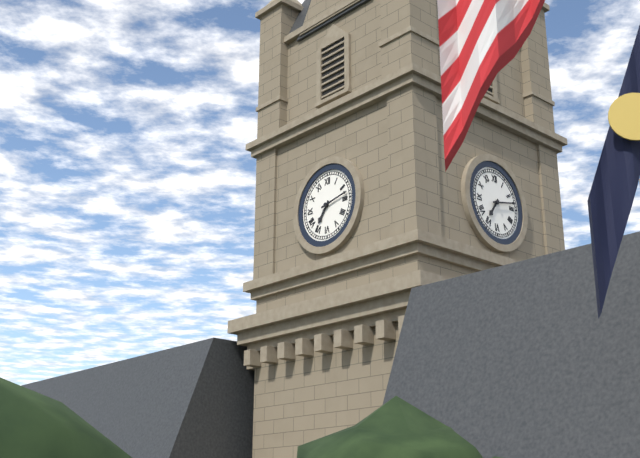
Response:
{"hour": 7, "minute": 13}
